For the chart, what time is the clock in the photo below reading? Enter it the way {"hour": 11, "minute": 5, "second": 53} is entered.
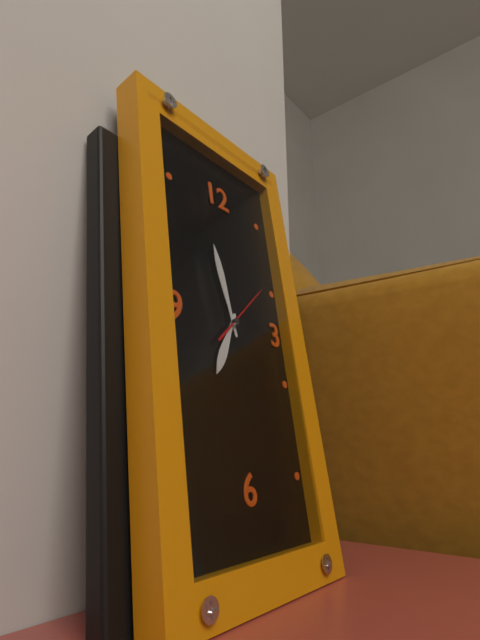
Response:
{"hour": 6, "minute": 58, "second": 8}
